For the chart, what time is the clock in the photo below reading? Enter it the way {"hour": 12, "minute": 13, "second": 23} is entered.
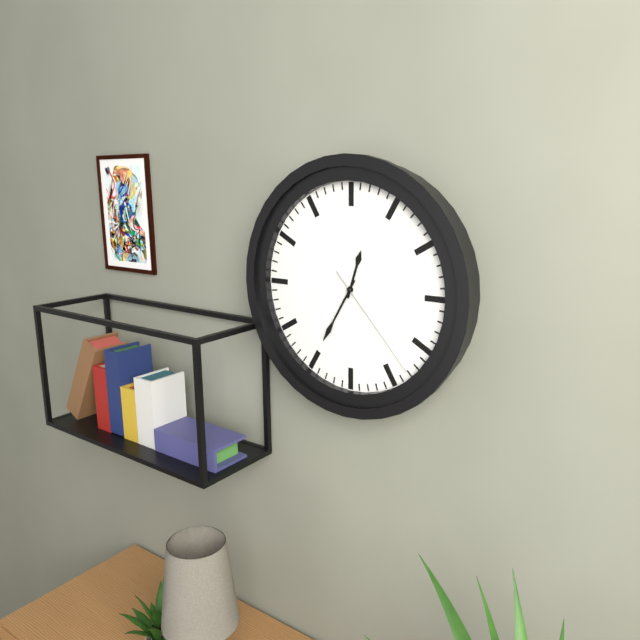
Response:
{"hour": 12, "minute": 35, "second": 23}
